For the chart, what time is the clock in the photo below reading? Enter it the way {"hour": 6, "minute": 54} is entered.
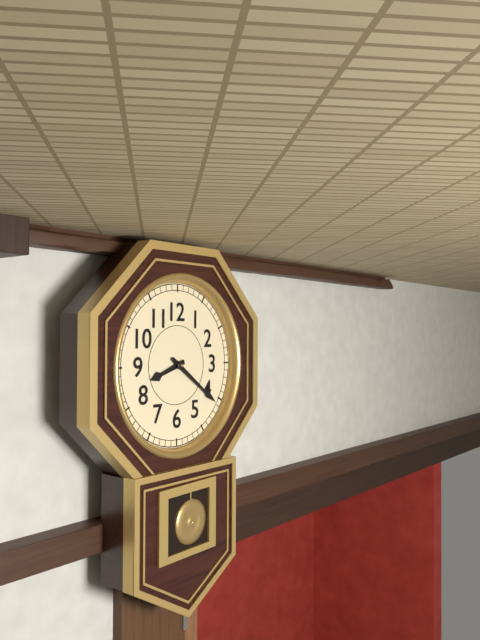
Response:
{"hour": 8, "minute": 21}
